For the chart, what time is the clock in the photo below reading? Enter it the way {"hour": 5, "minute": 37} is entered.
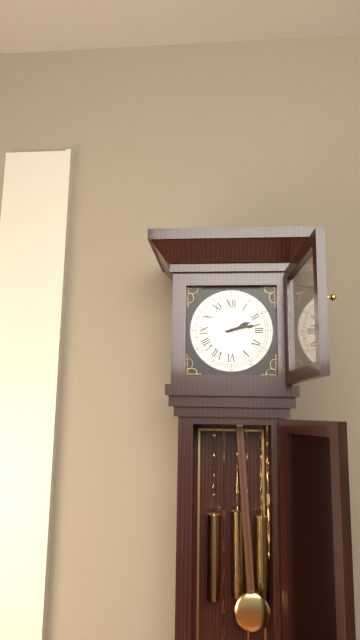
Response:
{"hour": 2, "minute": 13}
